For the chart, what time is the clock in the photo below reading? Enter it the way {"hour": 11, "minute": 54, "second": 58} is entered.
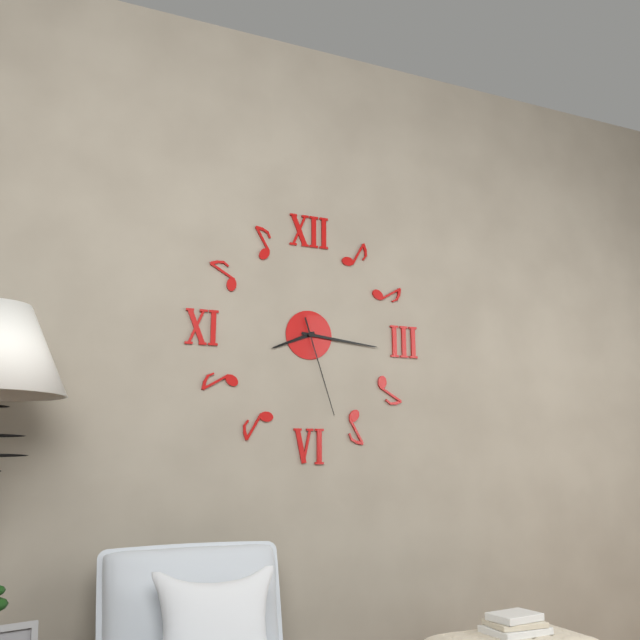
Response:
{"hour": 8, "minute": 16, "second": 27}
